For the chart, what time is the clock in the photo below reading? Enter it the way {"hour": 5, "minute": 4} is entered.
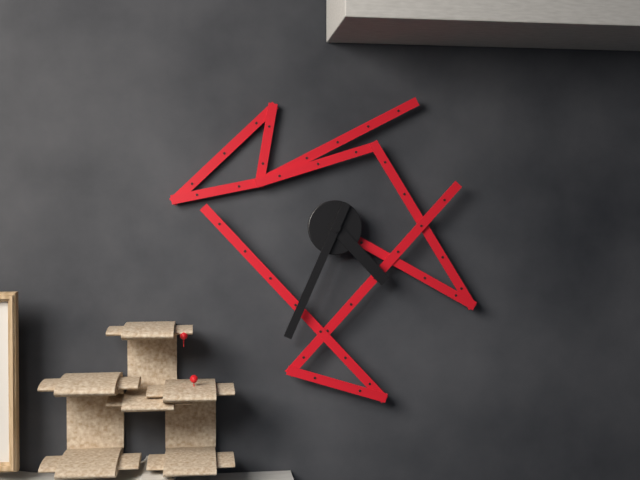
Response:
{"hour": 4, "minute": 34}
